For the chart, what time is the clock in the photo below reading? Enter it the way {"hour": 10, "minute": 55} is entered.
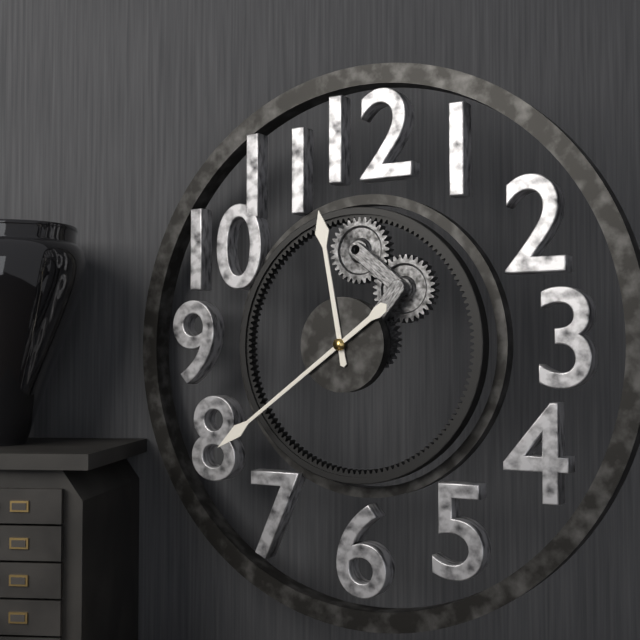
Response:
{"hour": 11, "minute": 39}
